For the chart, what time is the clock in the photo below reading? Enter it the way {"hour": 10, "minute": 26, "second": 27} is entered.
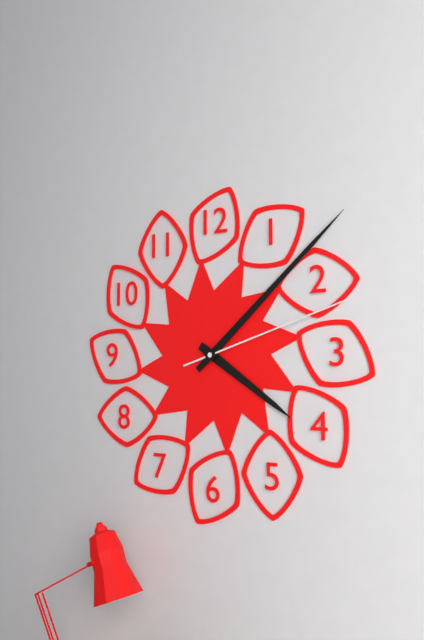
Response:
{"hour": 4, "minute": 8, "second": 12}
